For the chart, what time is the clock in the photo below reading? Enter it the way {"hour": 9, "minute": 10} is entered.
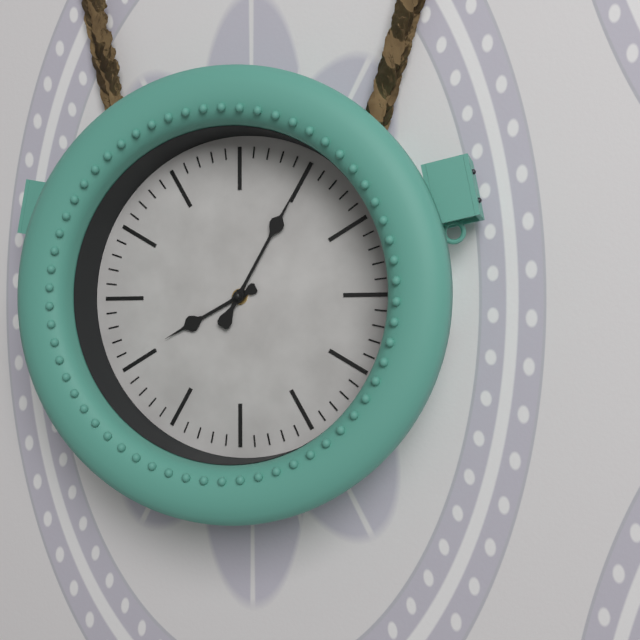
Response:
{"hour": 8, "minute": 5}
